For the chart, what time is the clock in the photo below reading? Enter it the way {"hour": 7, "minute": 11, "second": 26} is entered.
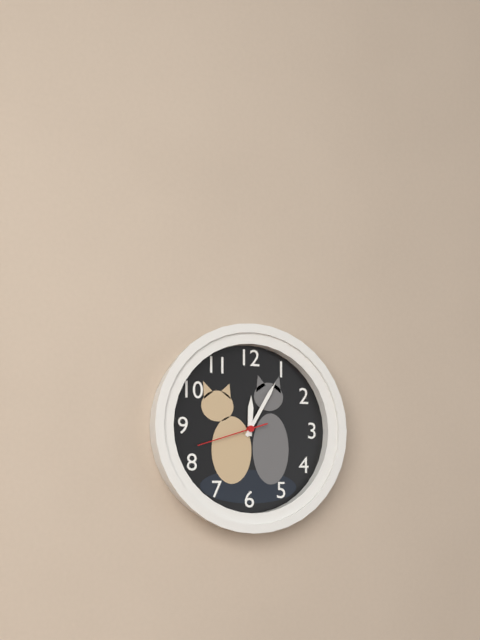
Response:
{"hour": 12, "minute": 5, "second": 42}
